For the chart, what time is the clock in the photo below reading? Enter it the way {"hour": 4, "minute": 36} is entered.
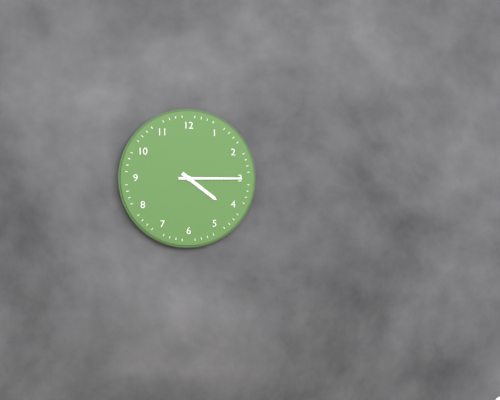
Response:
{"hour": 4, "minute": 15}
